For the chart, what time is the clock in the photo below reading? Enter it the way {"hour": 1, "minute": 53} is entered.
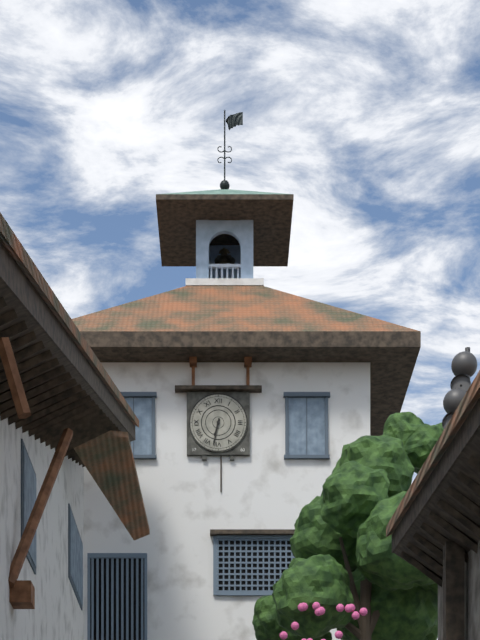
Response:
{"hour": 6, "minute": 32}
